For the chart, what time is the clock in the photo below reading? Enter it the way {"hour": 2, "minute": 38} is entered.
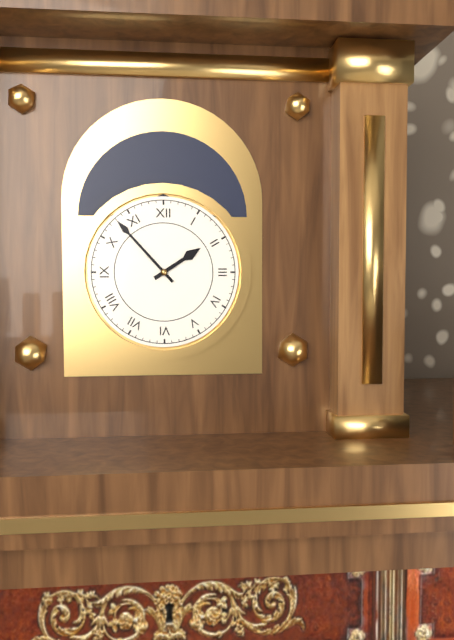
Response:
{"hour": 1, "minute": 53}
